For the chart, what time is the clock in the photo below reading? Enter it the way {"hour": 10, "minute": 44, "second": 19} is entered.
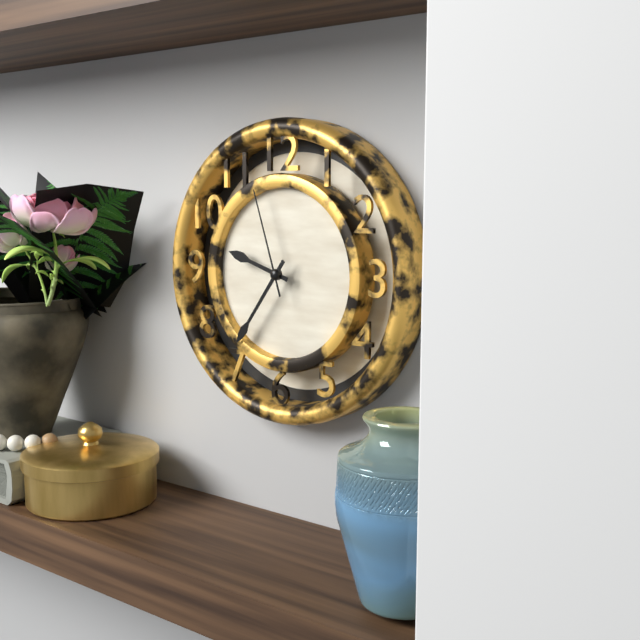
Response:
{"hour": 9, "minute": 36, "second": 57}
